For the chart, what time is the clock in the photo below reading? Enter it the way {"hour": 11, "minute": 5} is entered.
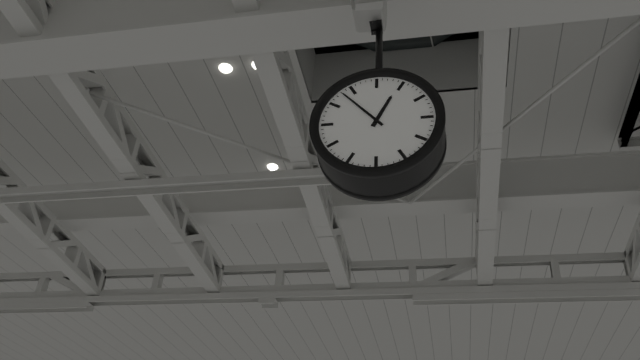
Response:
{"hour": 12, "minute": 53}
